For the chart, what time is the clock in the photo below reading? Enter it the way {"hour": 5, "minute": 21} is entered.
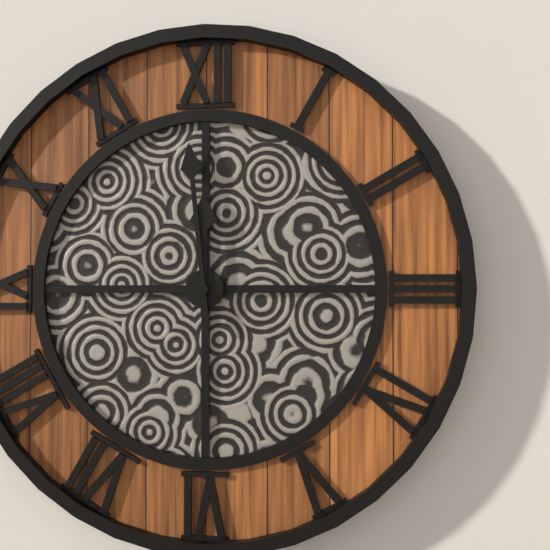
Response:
{"hour": 11, "minute": 59}
